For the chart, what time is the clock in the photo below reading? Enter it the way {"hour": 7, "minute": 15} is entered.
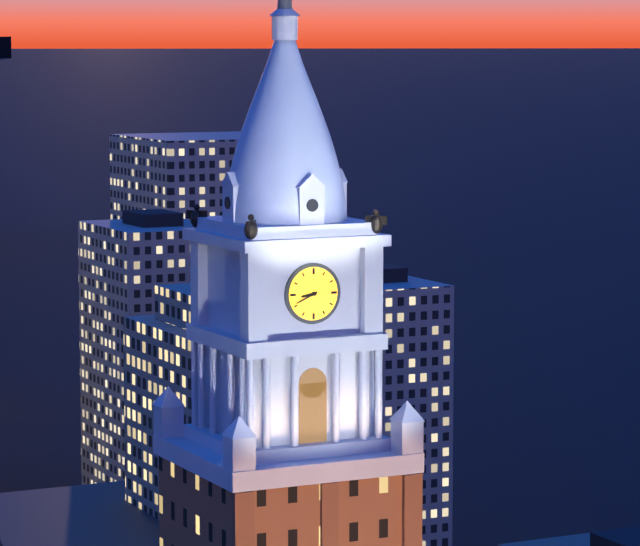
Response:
{"hour": 8, "minute": 41}
